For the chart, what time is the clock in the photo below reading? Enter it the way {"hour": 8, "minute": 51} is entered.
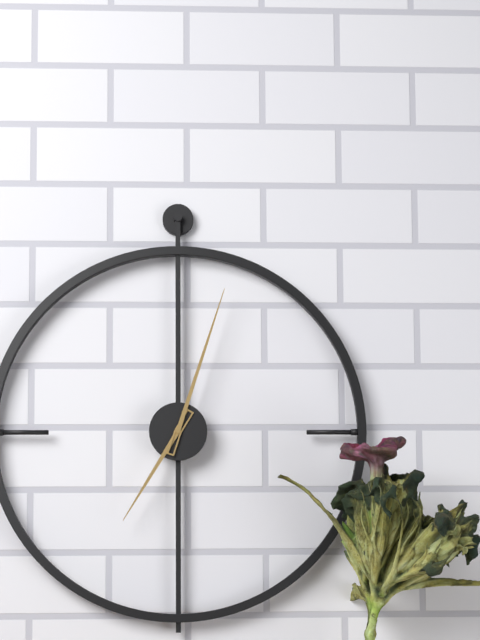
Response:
{"hour": 7, "minute": 3}
